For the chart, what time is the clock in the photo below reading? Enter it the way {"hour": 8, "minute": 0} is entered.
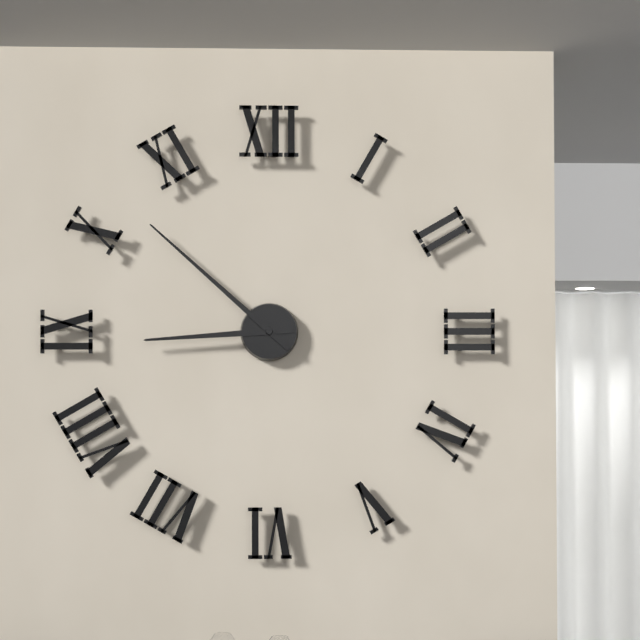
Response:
{"hour": 8, "minute": 52}
